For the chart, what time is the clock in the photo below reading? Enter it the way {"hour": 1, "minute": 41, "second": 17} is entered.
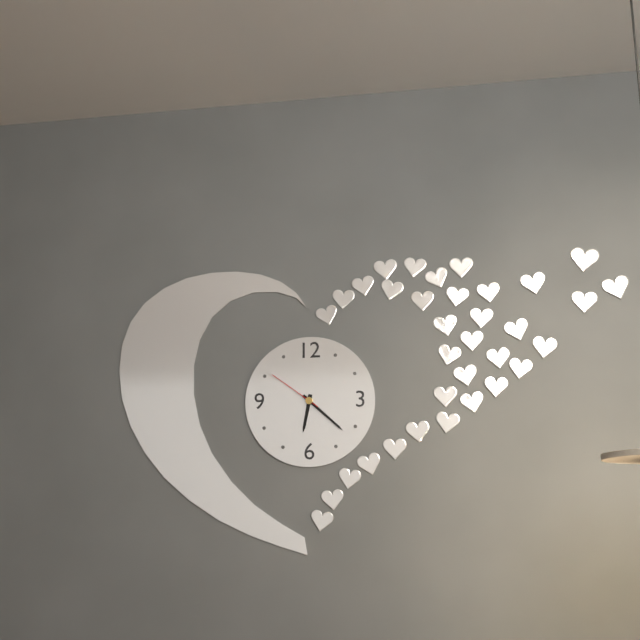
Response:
{"hour": 6, "minute": 22, "second": 51}
